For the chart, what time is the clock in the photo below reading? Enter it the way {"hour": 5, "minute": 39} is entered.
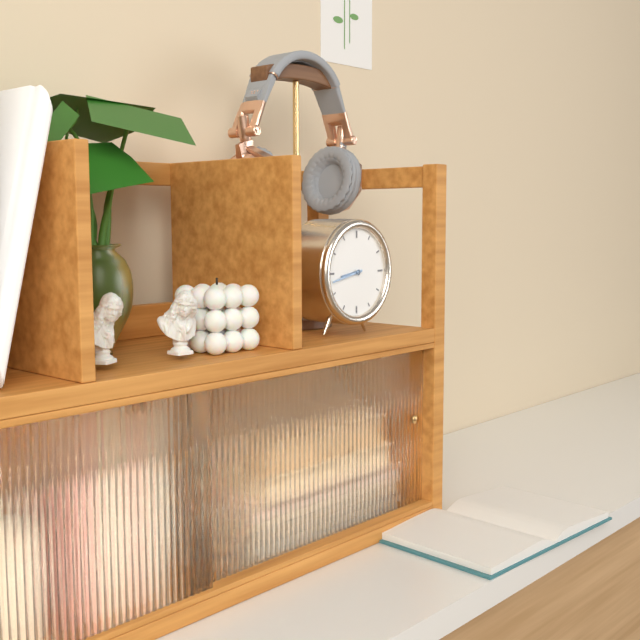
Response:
{"hour": 8, "minute": 43}
